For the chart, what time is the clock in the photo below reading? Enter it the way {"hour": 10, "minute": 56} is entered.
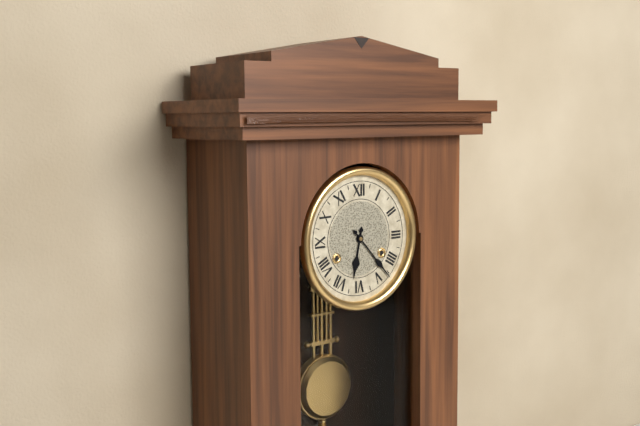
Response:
{"hour": 6, "minute": 23}
